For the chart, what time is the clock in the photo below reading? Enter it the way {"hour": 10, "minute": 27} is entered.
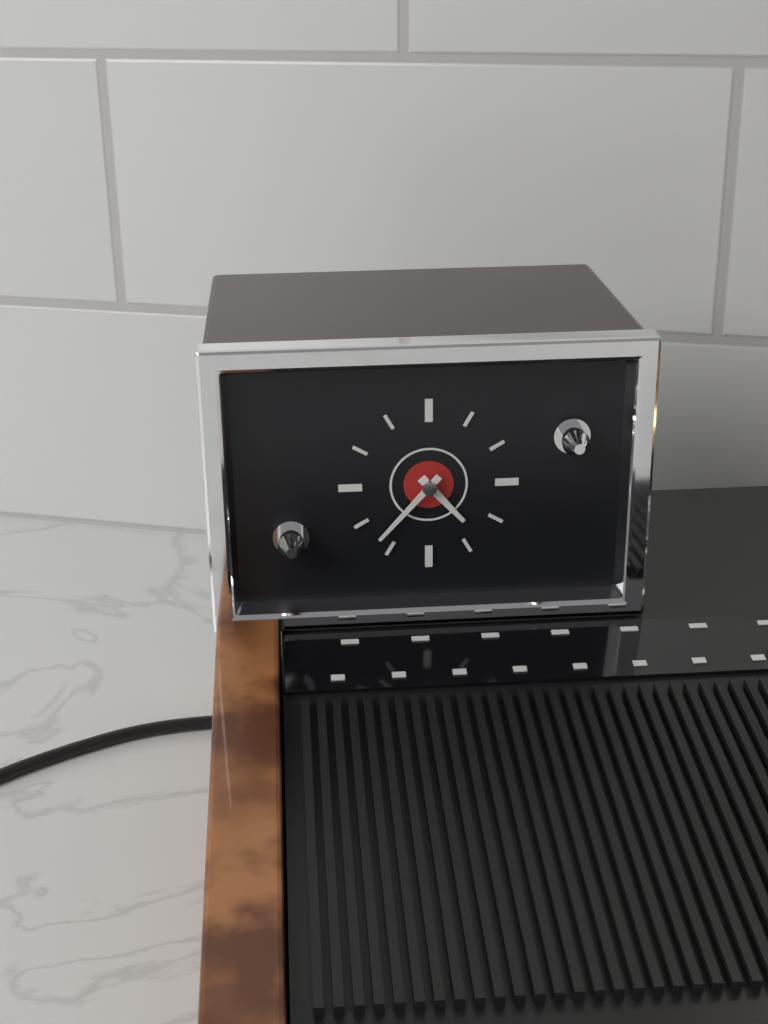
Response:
{"hour": 4, "minute": 37}
